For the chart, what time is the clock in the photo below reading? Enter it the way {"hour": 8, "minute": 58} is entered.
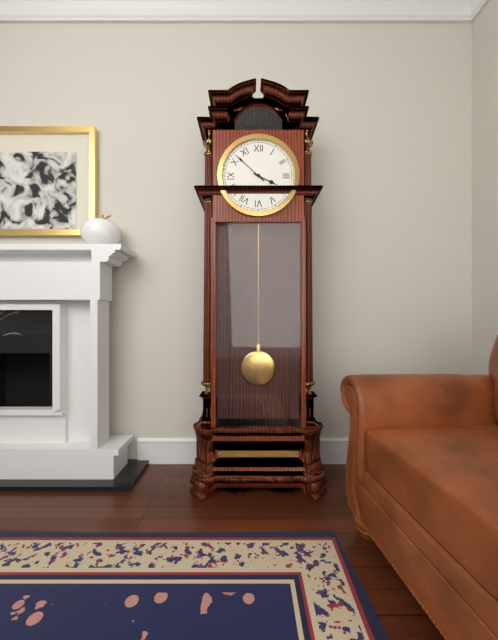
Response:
{"hour": 3, "minute": 52}
